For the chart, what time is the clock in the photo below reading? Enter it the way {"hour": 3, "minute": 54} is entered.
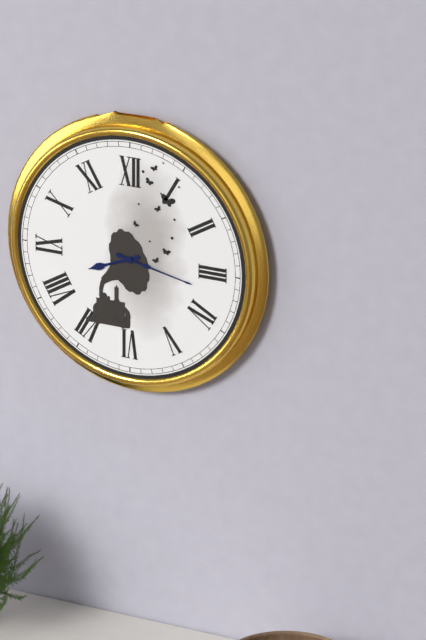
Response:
{"hour": 8, "minute": 17}
